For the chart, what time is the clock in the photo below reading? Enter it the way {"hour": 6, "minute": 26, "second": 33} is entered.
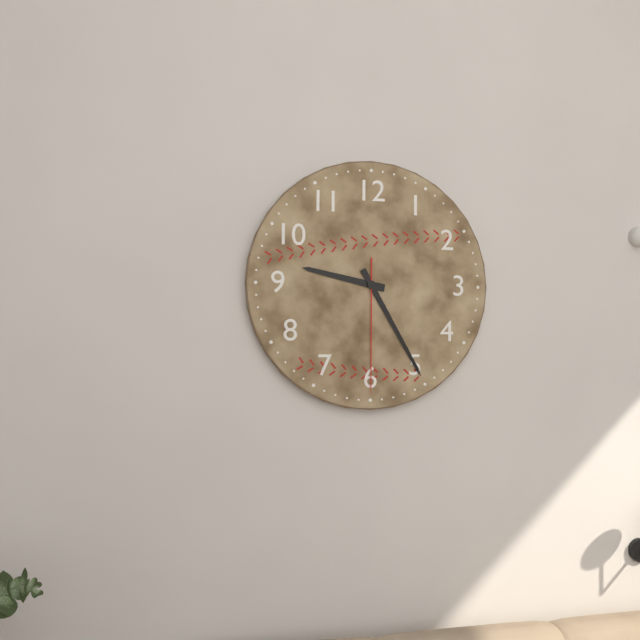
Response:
{"hour": 9, "minute": 25, "second": 30}
